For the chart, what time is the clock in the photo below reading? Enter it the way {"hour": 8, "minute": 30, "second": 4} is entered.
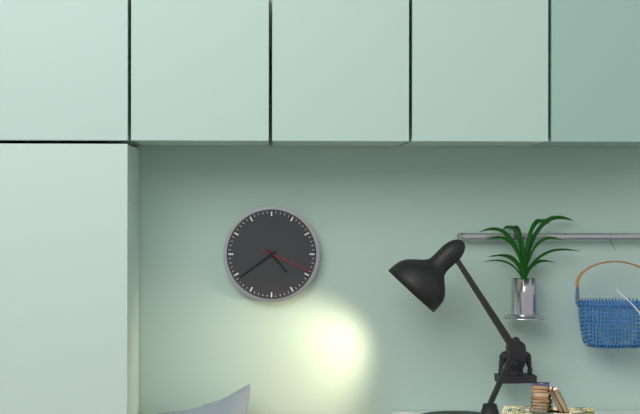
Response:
{"hour": 4, "minute": 39, "second": 19}
